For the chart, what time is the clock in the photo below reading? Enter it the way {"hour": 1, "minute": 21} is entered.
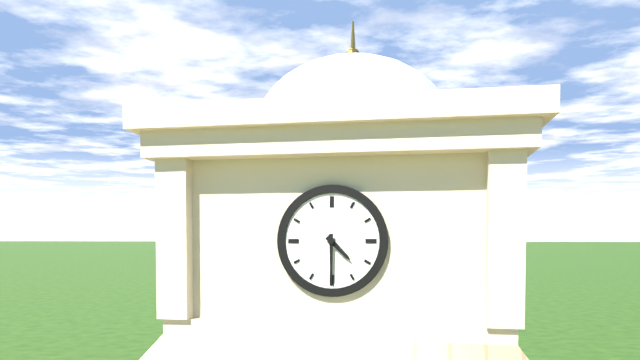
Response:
{"hour": 4, "minute": 30}
